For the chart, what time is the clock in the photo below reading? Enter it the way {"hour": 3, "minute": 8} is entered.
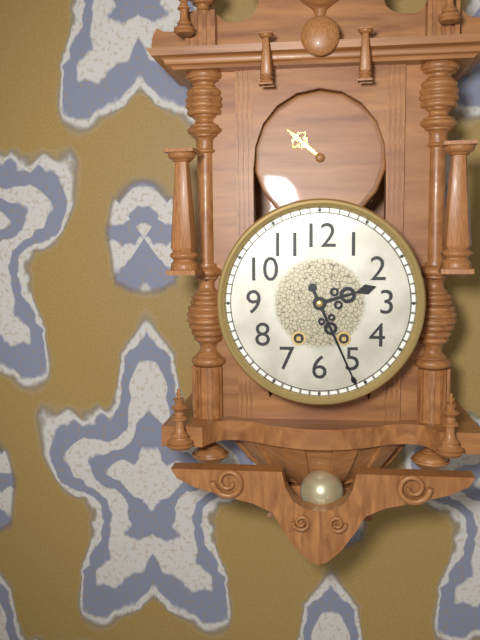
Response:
{"hour": 2, "minute": 26}
